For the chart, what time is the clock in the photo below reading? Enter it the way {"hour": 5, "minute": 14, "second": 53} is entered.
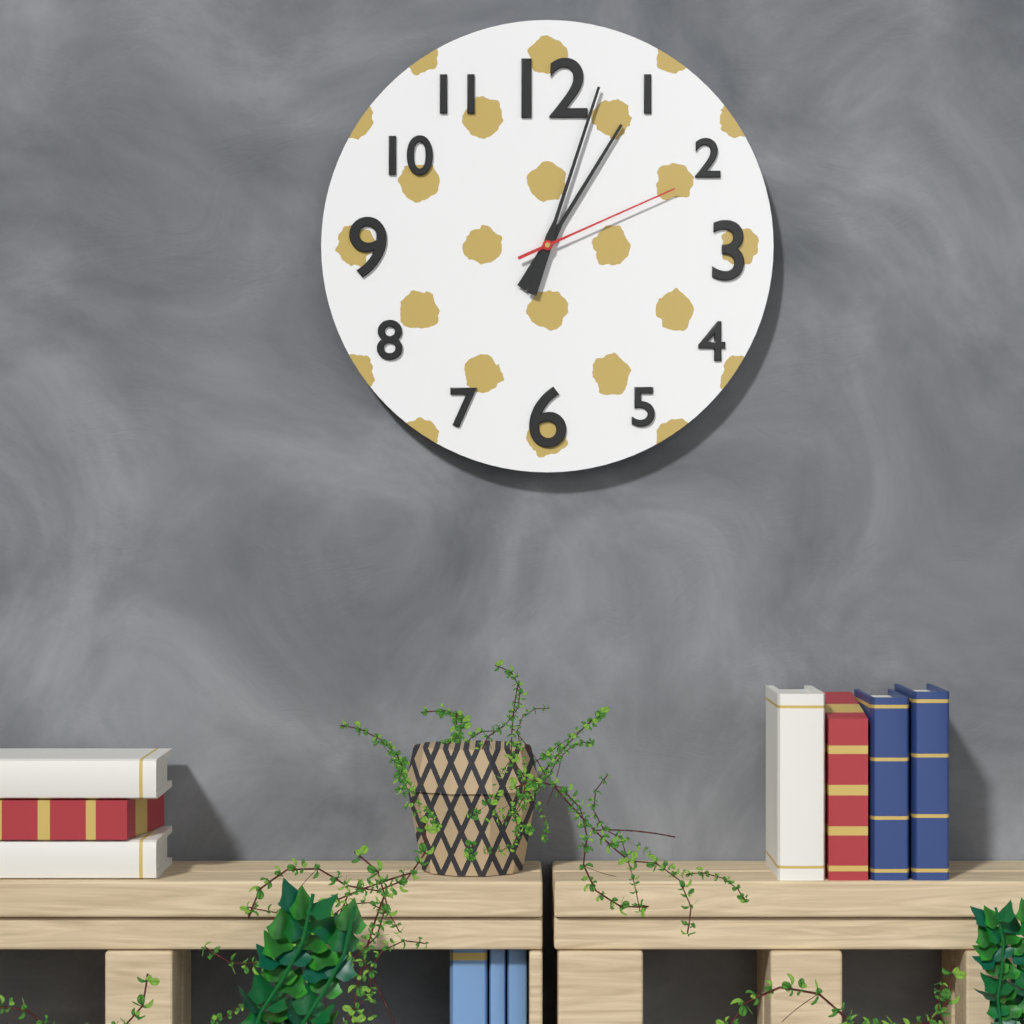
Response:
{"hour": 1, "minute": 3, "second": 11}
